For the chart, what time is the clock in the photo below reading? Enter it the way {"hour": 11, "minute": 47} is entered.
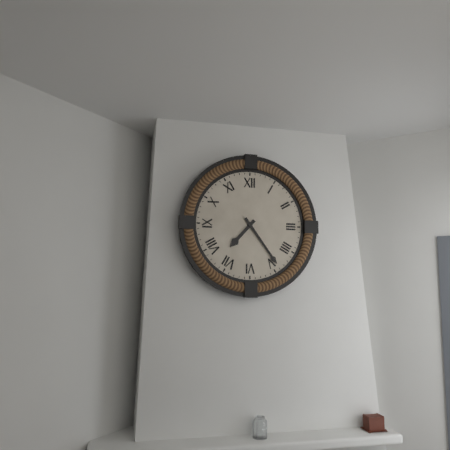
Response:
{"hour": 7, "minute": 24}
